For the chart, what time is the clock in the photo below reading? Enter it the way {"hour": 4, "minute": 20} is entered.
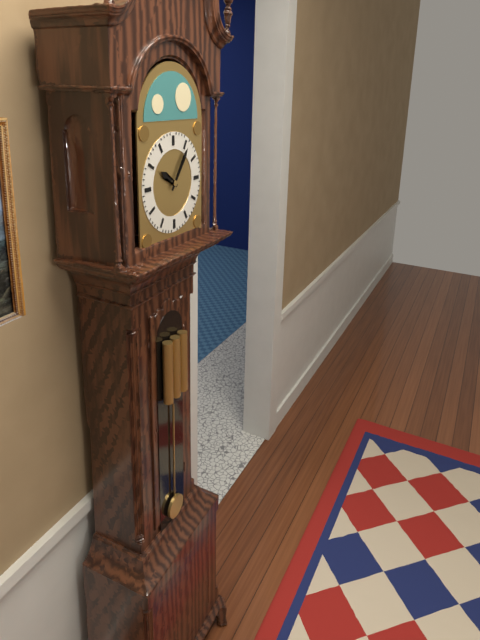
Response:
{"hour": 10, "minute": 6}
